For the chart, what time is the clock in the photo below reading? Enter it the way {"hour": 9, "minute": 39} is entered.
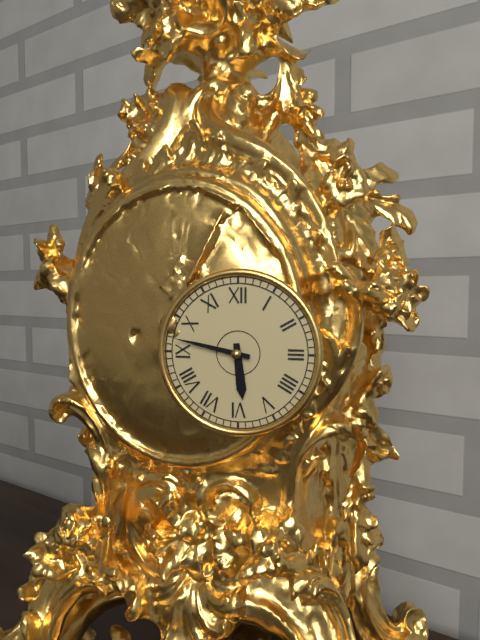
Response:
{"hour": 5, "minute": 47}
